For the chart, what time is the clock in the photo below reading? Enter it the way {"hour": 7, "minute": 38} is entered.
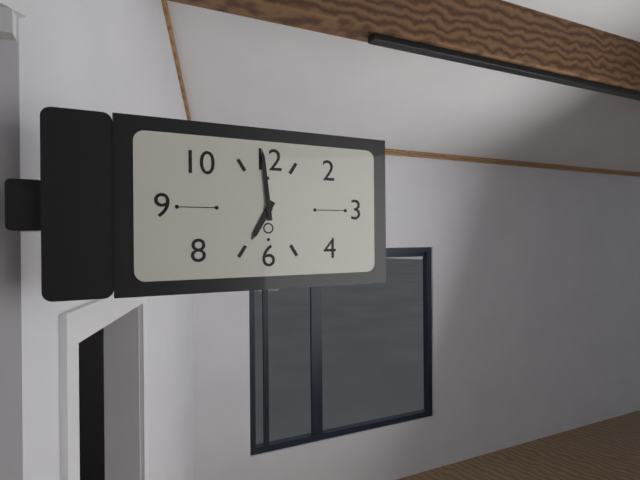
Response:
{"hour": 6, "minute": 59}
